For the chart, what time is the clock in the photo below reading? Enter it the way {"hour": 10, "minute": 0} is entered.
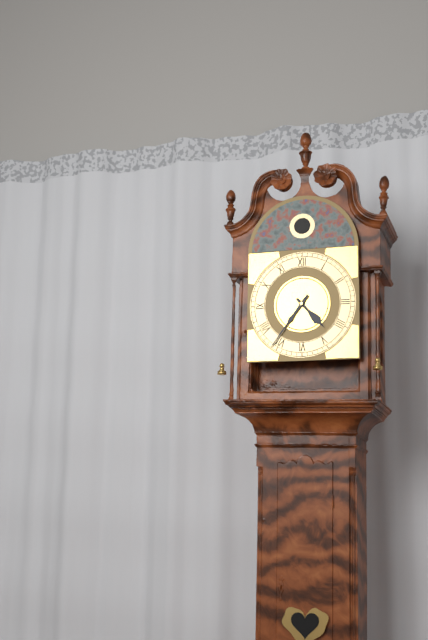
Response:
{"hour": 4, "minute": 36}
